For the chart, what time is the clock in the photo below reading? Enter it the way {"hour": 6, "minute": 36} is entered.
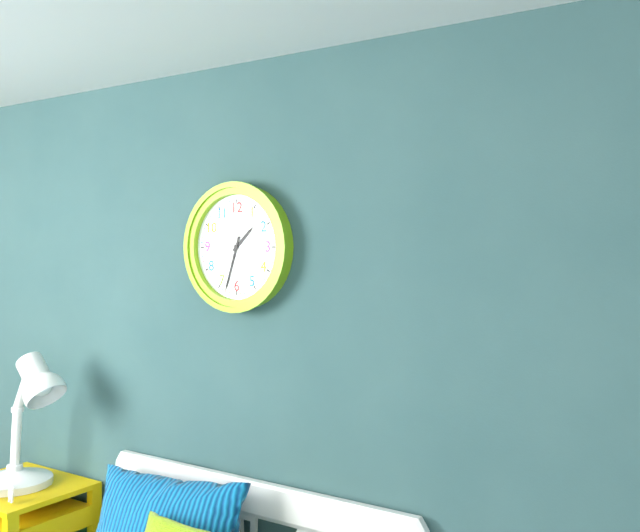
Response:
{"hour": 1, "minute": 33}
